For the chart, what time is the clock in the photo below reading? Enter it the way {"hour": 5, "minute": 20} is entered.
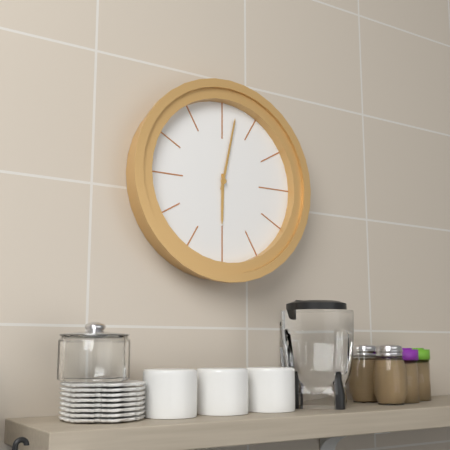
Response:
{"hour": 6, "minute": 2}
